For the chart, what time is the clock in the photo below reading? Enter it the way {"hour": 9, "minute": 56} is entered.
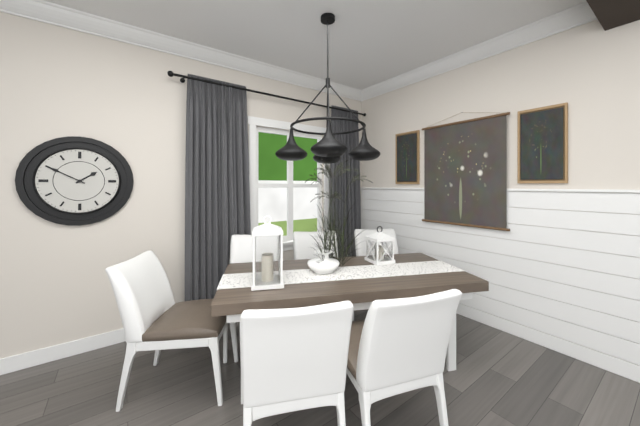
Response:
{"hour": 1, "minute": 50}
